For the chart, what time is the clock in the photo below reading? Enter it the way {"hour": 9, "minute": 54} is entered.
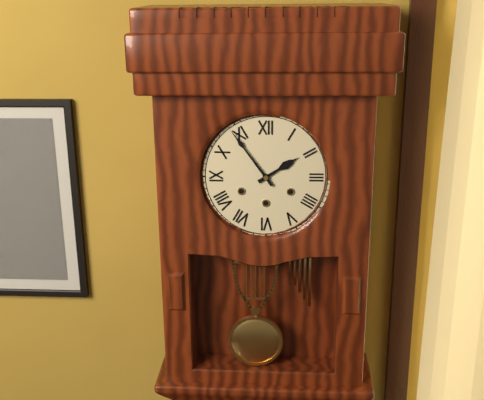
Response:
{"hour": 1, "minute": 54}
